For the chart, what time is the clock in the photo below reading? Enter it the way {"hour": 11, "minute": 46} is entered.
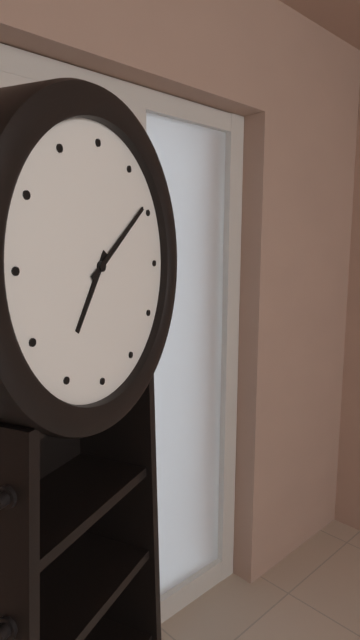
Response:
{"hour": 7, "minute": 9}
